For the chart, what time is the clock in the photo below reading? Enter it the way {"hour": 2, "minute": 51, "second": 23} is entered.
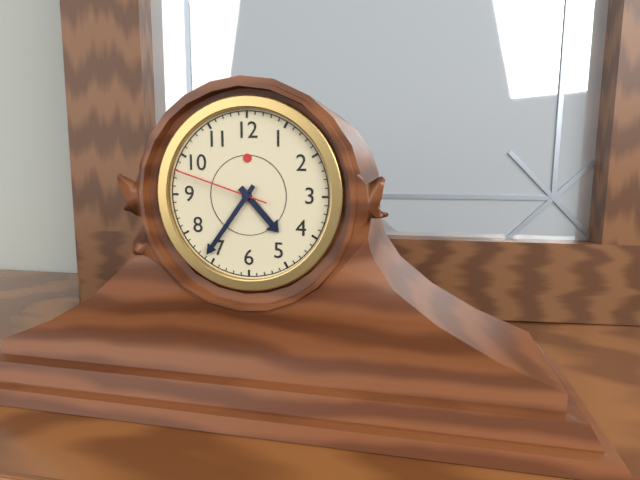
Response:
{"hour": 4, "minute": 36, "second": 48}
